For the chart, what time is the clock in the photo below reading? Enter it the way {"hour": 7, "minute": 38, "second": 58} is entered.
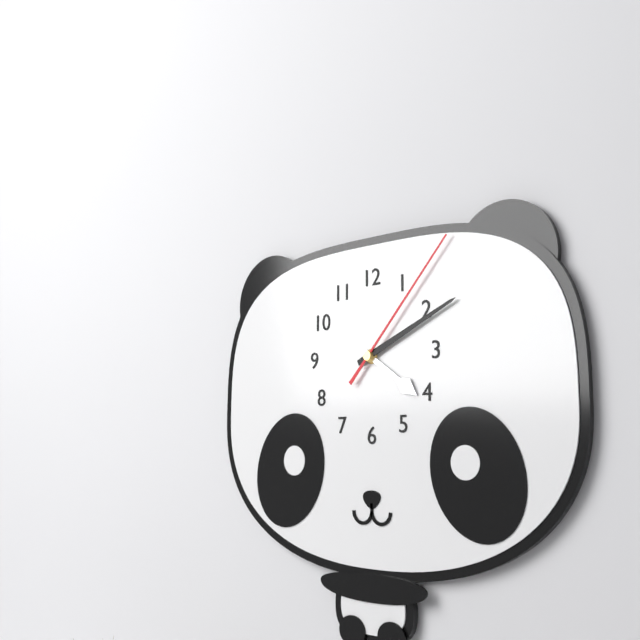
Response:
{"hour": 4, "minute": 11, "second": 7}
